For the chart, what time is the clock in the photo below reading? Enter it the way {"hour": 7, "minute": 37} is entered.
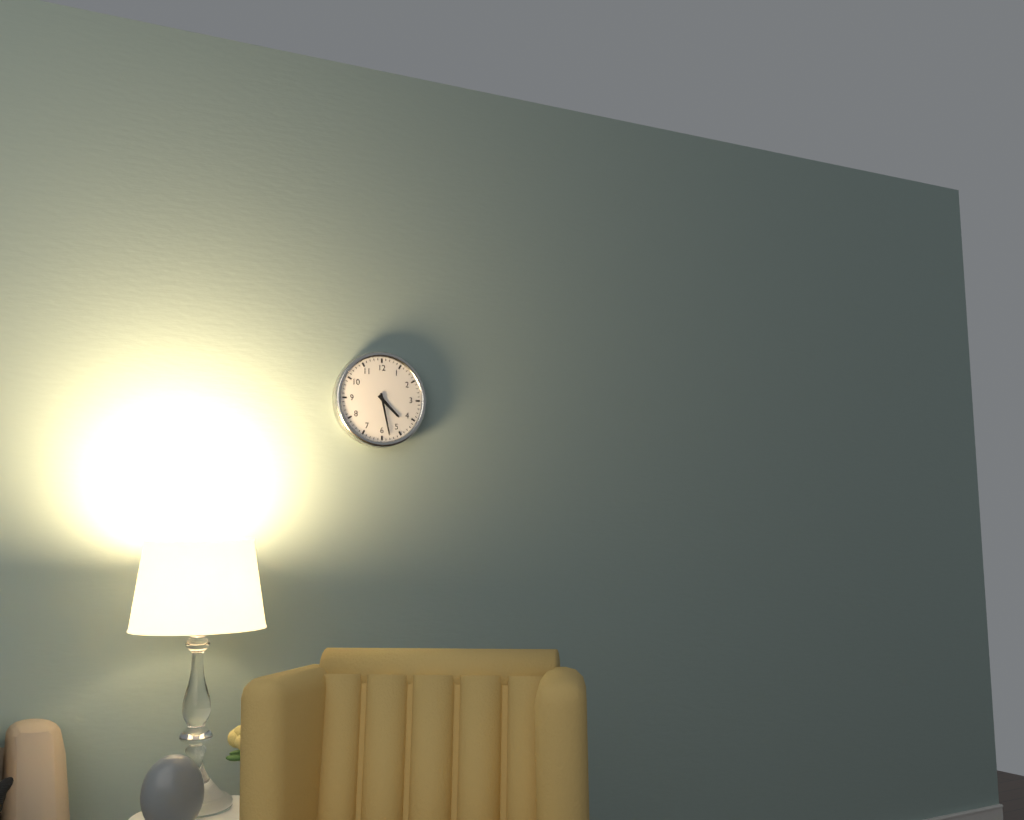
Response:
{"hour": 4, "minute": 28}
